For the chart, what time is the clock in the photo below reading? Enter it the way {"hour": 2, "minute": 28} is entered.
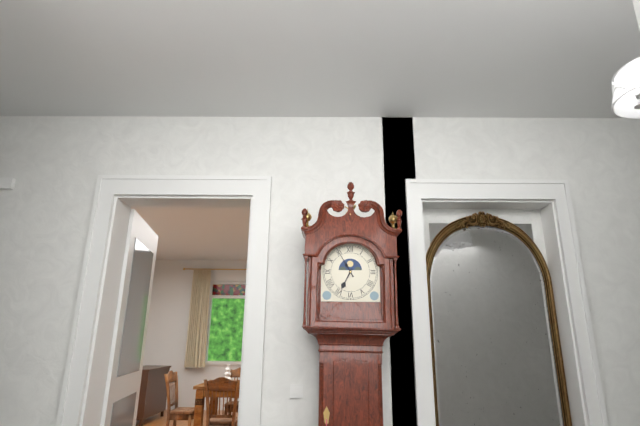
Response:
{"hour": 6, "minute": 55}
